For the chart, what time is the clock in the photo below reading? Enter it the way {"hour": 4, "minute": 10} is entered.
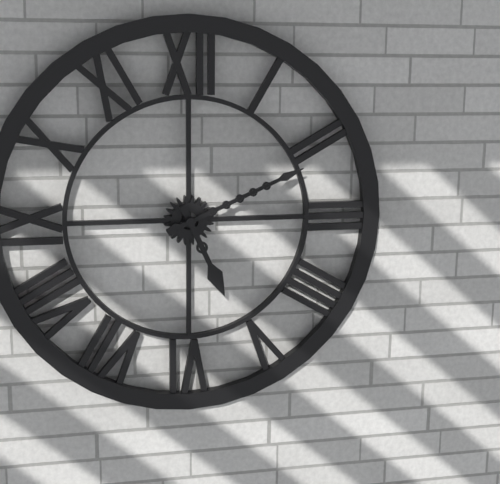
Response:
{"hour": 5, "minute": 11}
